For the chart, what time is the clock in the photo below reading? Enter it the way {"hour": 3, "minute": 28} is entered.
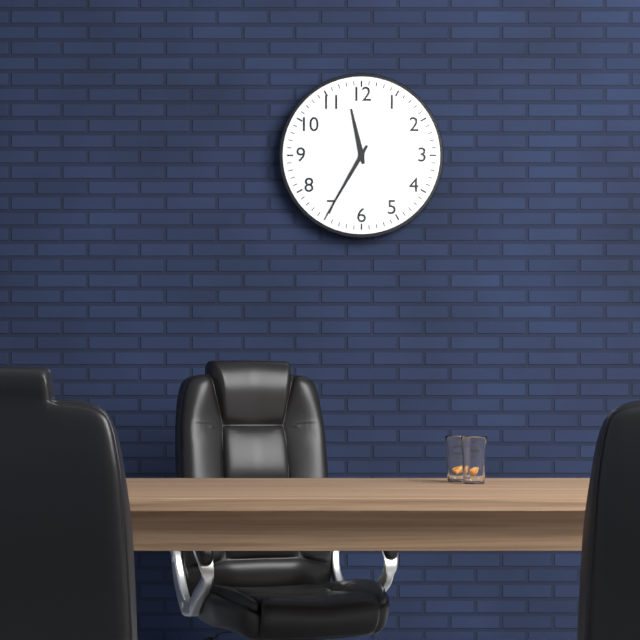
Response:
{"hour": 11, "minute": 35}
